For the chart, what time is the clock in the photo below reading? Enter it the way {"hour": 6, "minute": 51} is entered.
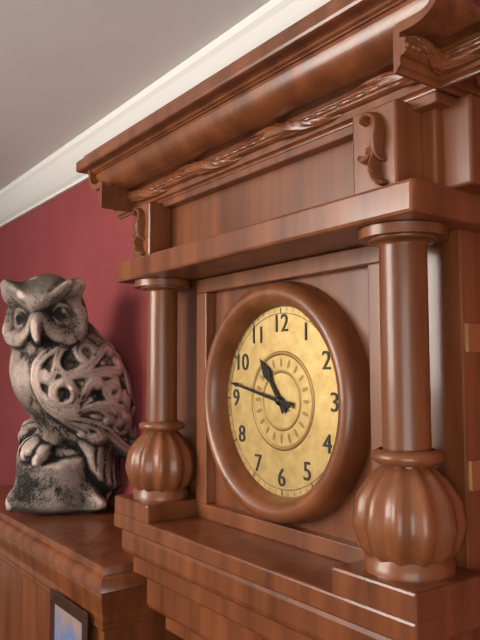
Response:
{"hour": 10, "minute": 47}
